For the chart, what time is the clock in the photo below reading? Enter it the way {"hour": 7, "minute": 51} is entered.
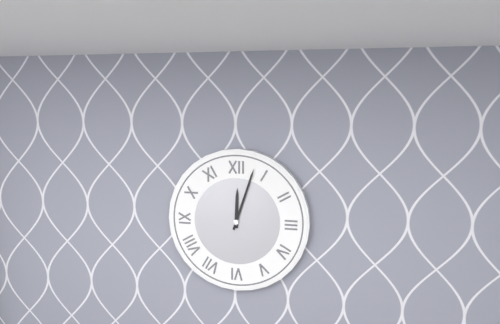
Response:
{"hour": 12, "minute": 3}
